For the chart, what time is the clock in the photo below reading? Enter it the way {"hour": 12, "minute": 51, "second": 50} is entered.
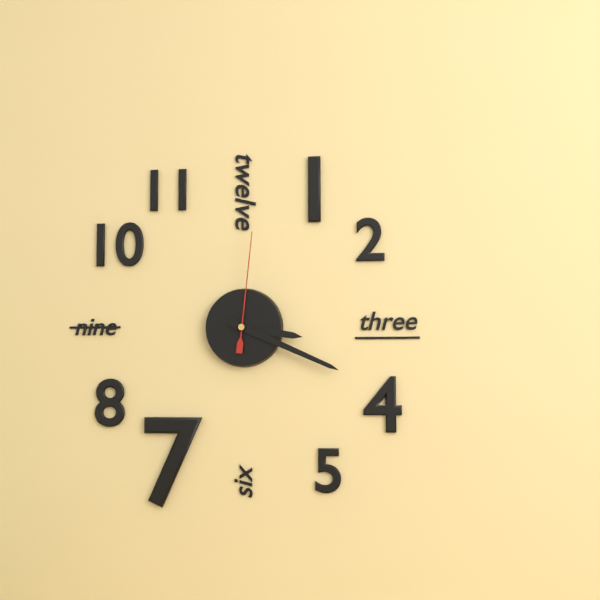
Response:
{"hour": 3, "minute": 19, "second": 1}
